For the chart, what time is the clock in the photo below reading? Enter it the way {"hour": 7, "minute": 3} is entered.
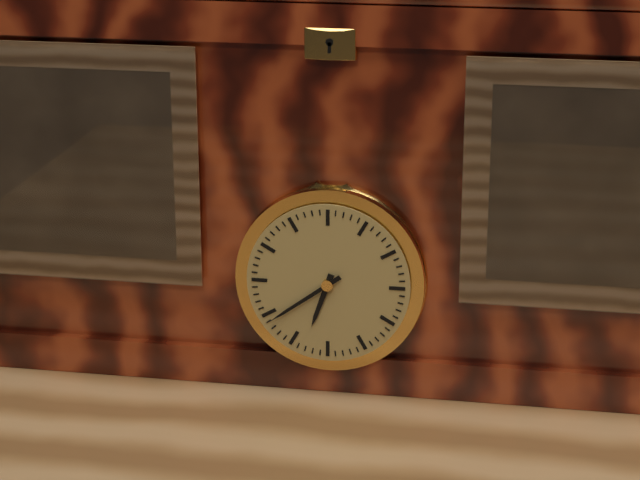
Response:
{"hour": 6, "minute": 39}
